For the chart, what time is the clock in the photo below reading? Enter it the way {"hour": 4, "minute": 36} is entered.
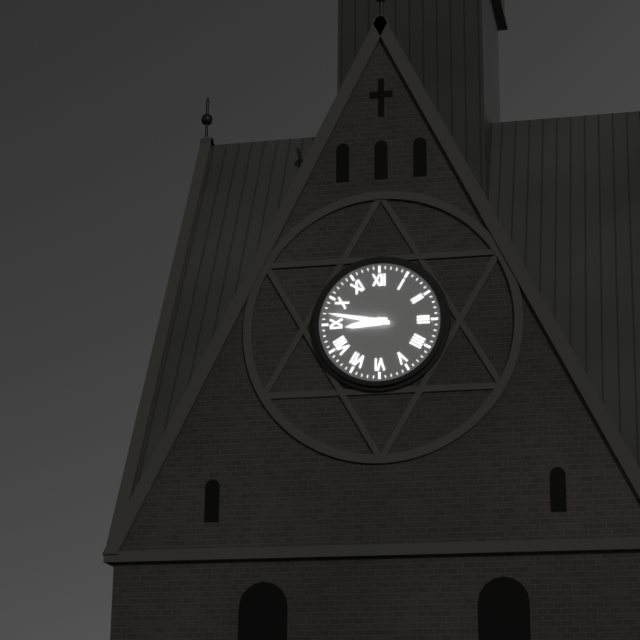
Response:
{"hour": 8, "minute": 47}
